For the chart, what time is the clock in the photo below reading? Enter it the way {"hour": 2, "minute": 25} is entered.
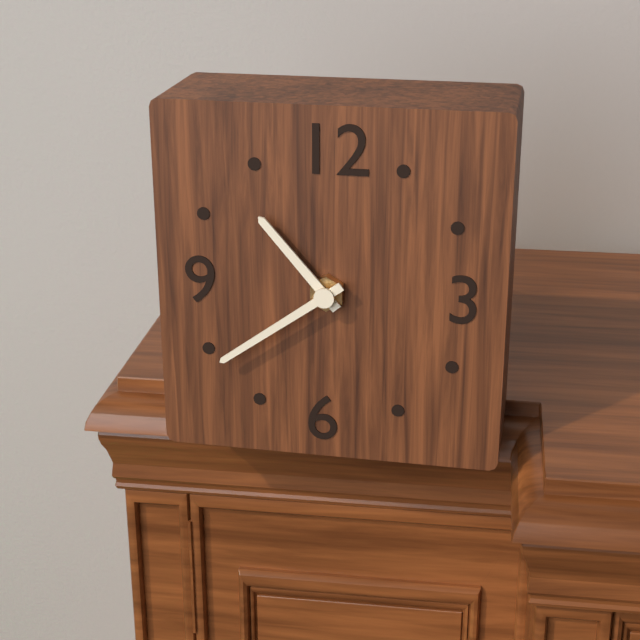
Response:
{"hour": 10, "minute": 39}
